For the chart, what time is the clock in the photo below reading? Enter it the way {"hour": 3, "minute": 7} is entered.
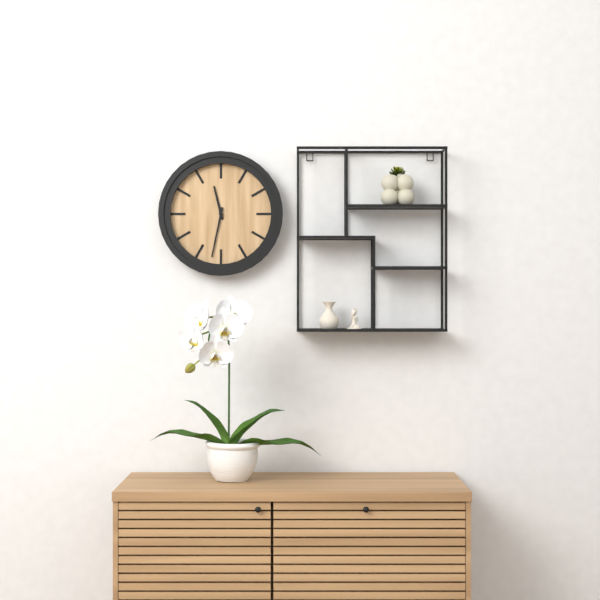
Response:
{"hour": 11, "minute": 32}
